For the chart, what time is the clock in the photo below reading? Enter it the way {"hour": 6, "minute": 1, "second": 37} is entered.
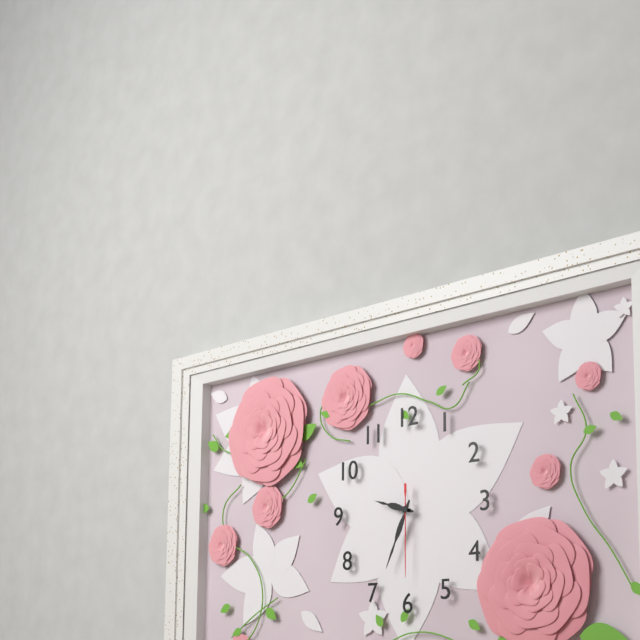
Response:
{"hour": 9, "minute": 34, "second": 30}
